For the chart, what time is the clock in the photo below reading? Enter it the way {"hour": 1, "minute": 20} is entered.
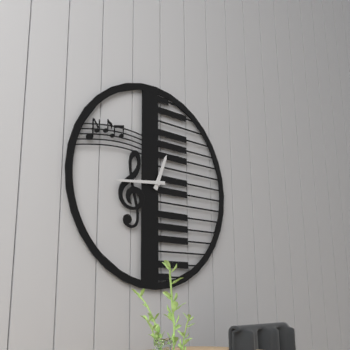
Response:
{"hour": 12, "minute": 44}
